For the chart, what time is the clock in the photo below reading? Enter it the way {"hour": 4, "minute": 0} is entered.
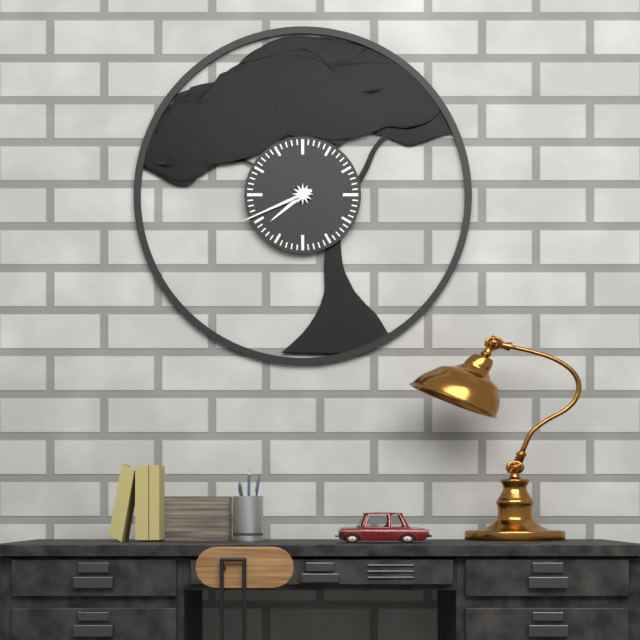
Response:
{"hour": 7, "minute": 41}
